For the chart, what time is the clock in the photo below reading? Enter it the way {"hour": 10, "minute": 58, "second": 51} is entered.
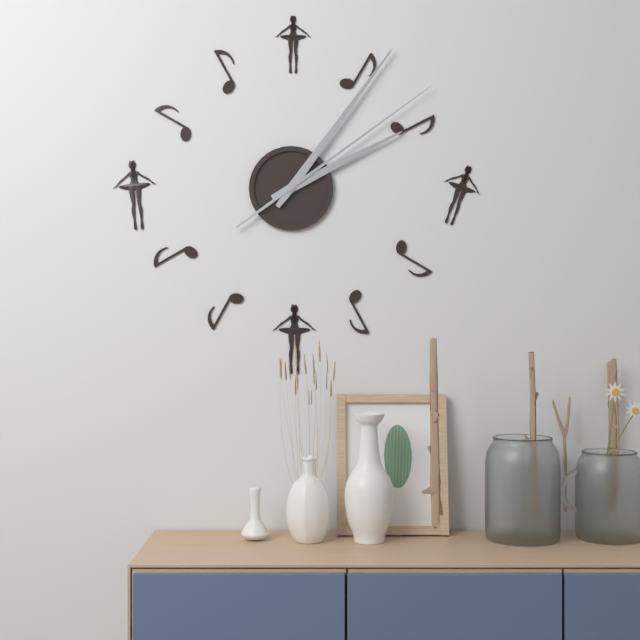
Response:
{"hour": 2, "minute": 6, "second": 9}
